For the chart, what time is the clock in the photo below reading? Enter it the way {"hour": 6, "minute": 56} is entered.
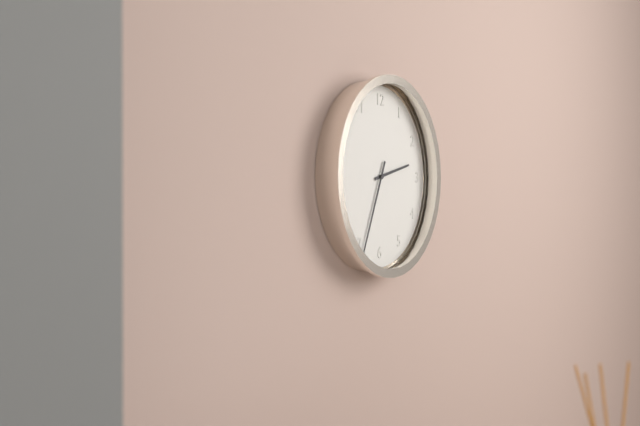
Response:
{"hour": 2, "minute": 34}
